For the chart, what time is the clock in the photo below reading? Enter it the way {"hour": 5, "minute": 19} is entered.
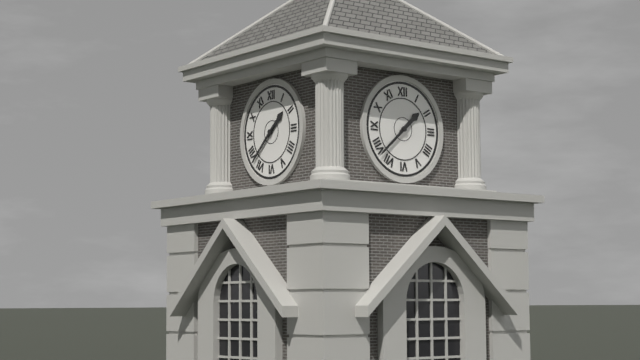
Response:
{"hour": 1, "minute": 38}
